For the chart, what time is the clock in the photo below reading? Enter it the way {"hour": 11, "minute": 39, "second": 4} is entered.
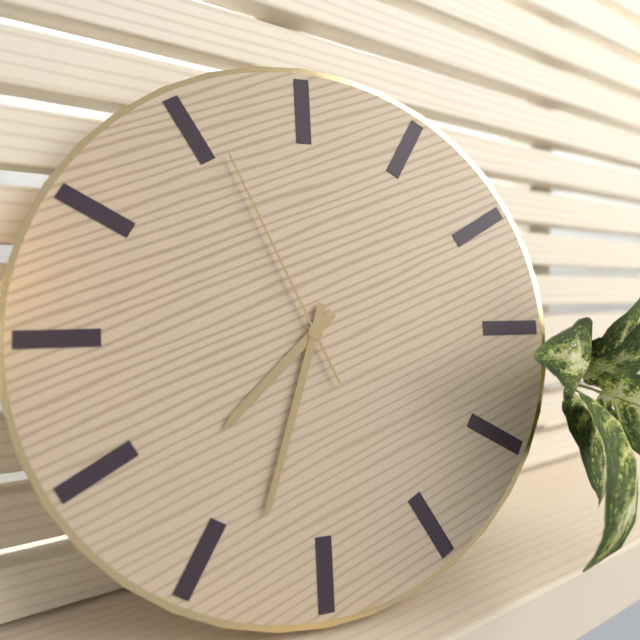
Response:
{"hour": 7, "minute": 33, "second": 56}
